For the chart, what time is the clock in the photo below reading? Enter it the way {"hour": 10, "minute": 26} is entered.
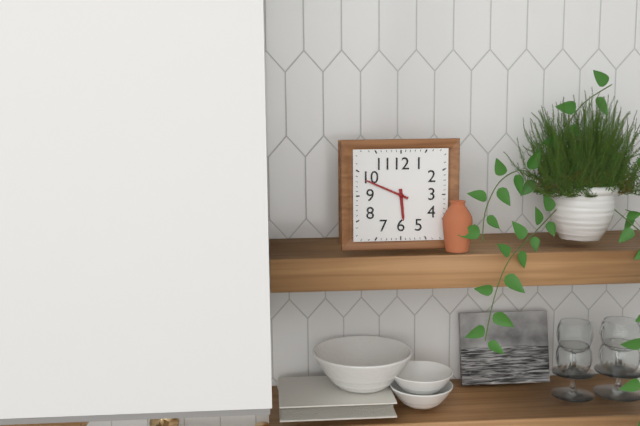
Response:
{"hour": 5, "minute": 49}
